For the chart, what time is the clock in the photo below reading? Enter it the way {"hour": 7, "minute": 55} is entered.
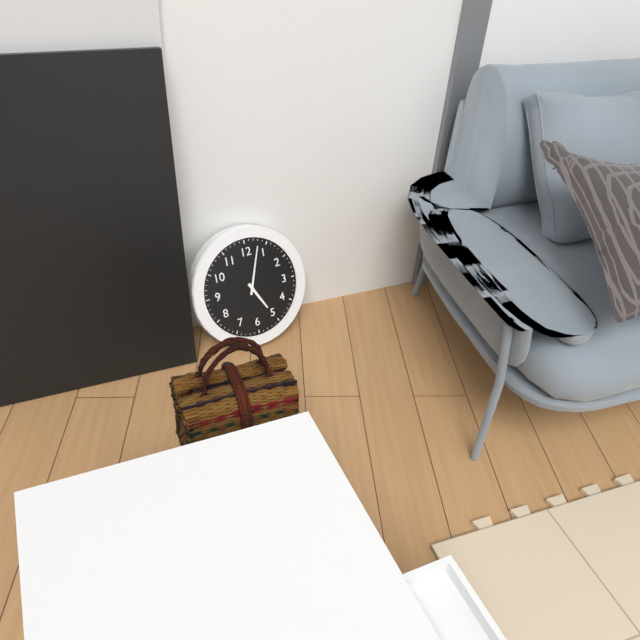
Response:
{"hour": 5, "minute": 3}
